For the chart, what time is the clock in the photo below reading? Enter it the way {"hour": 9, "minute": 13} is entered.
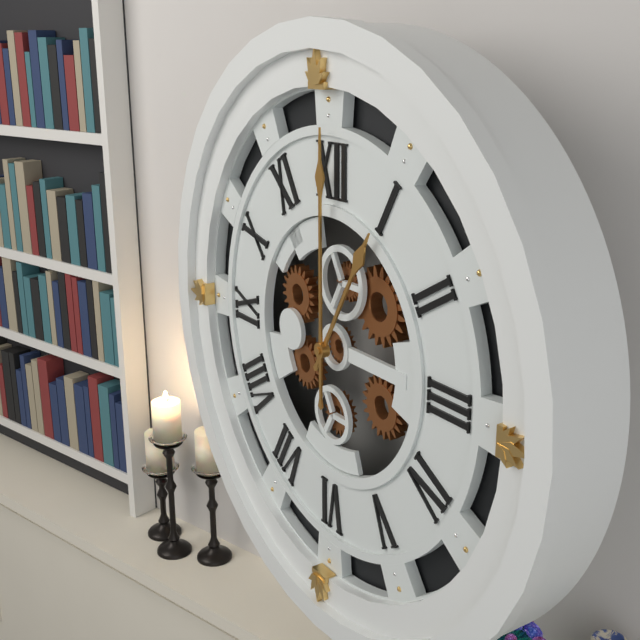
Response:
{"hour": 1, "minute": 0}
